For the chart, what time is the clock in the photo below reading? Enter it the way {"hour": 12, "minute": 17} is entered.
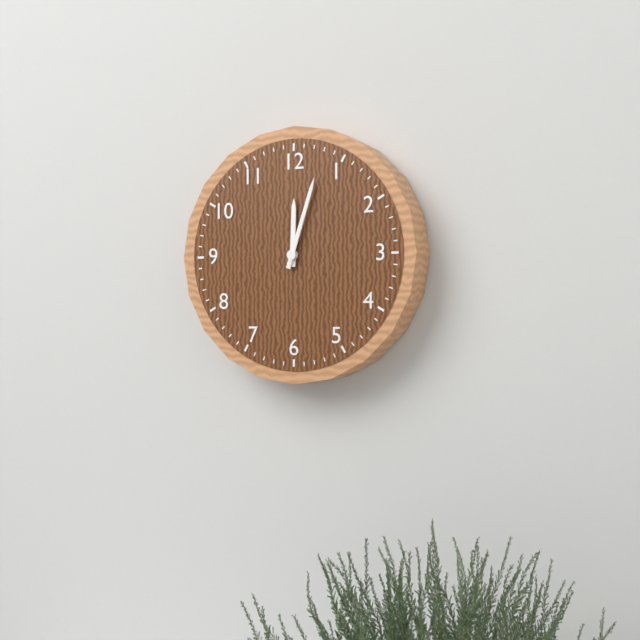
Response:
{"hour": 12, "minute": 3}
